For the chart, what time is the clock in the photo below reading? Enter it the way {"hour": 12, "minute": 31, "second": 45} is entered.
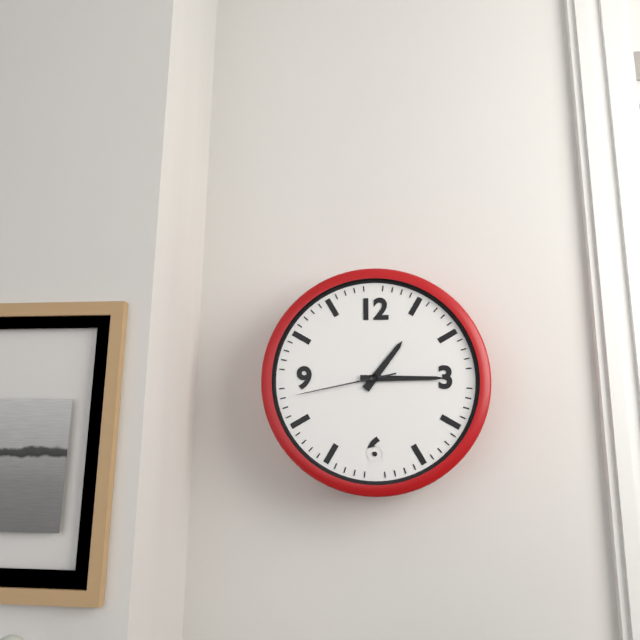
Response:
{"hour": 1, "minute": 15, "second": 43}
